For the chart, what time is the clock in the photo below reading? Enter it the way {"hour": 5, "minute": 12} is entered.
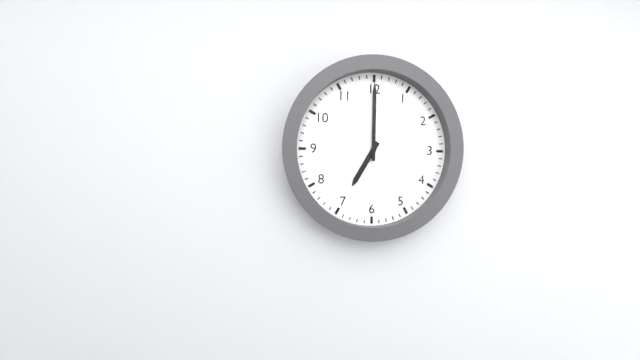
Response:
{"hour": 7, "minute": 0}
